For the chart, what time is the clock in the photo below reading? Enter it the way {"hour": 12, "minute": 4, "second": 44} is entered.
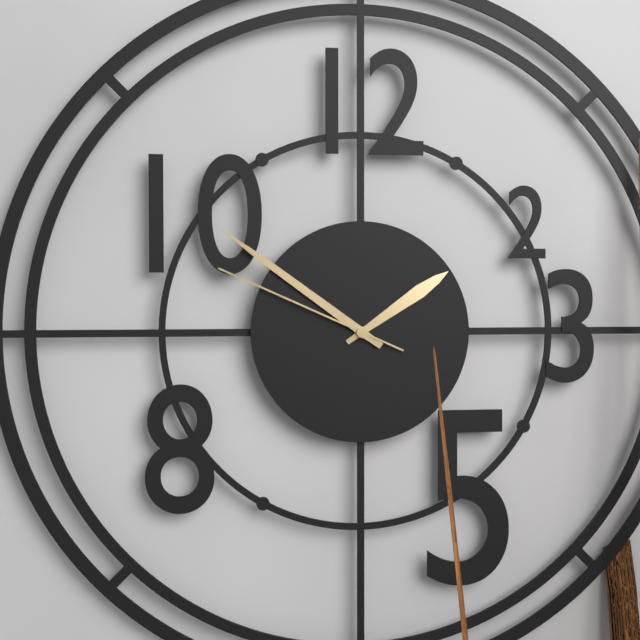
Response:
{"hour": 1, "minute": 51, "second": 49}
